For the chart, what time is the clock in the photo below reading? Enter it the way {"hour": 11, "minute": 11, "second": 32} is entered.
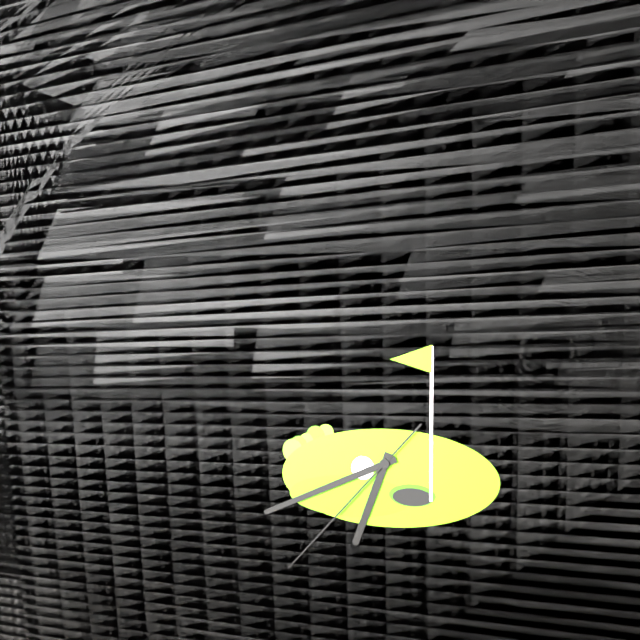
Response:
{"hour": 6, "minute": 41, "second": 37}
